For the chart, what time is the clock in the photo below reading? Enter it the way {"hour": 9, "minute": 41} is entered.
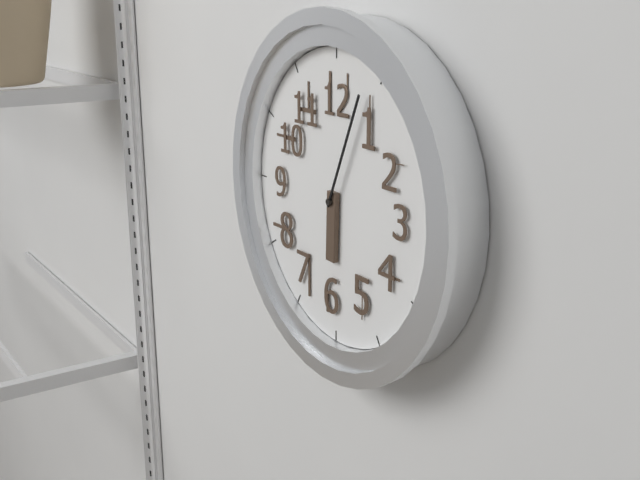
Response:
{"hour": 6, "minute": 4}
